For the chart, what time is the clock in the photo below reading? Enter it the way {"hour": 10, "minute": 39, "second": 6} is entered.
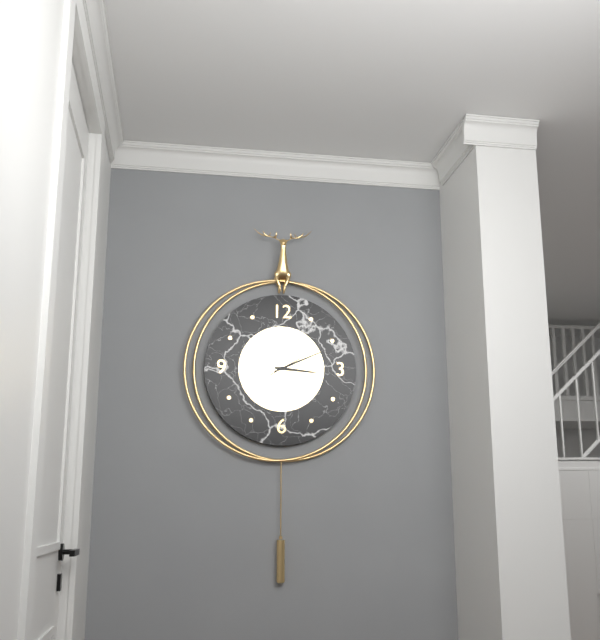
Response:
{"hour": 3, "minute": 11, "second": 10}
